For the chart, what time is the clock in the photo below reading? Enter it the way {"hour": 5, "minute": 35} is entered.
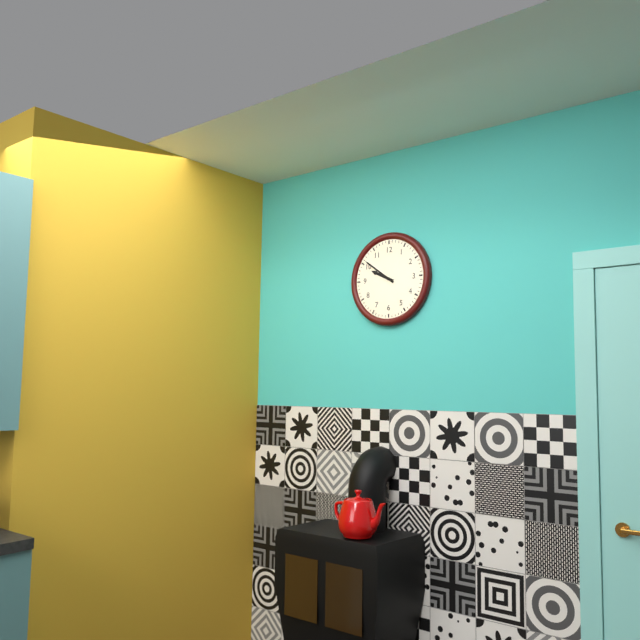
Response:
{"hour": 9, "minute": 51}
